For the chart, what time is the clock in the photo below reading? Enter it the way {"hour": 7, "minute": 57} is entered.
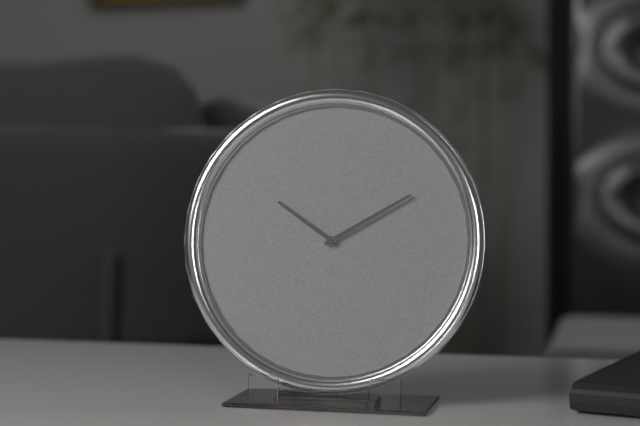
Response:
{"hour": 10, "minute": 10}
